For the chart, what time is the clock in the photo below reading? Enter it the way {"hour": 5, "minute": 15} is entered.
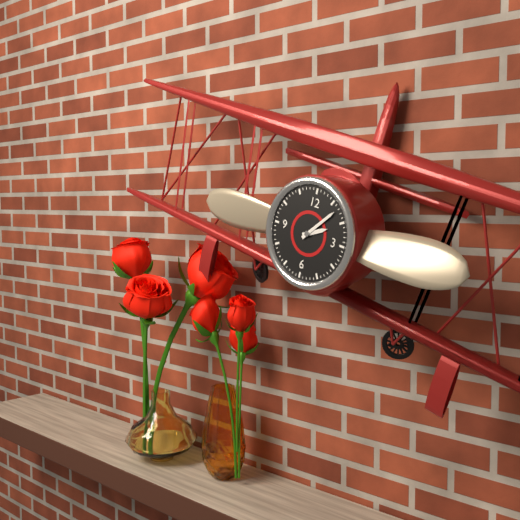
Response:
{"hour": 2, "minute": 7}
